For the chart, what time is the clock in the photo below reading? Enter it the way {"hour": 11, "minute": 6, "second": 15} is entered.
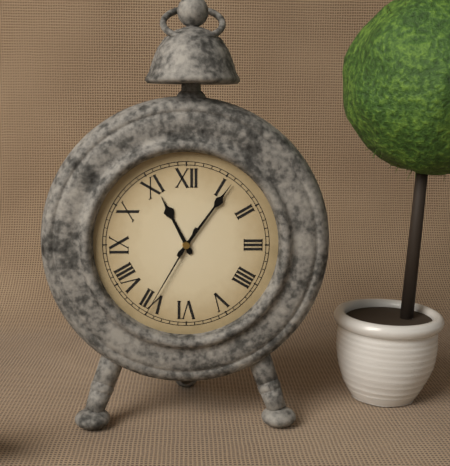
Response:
{"hour": 11, "minute": 6, "second": 35}
